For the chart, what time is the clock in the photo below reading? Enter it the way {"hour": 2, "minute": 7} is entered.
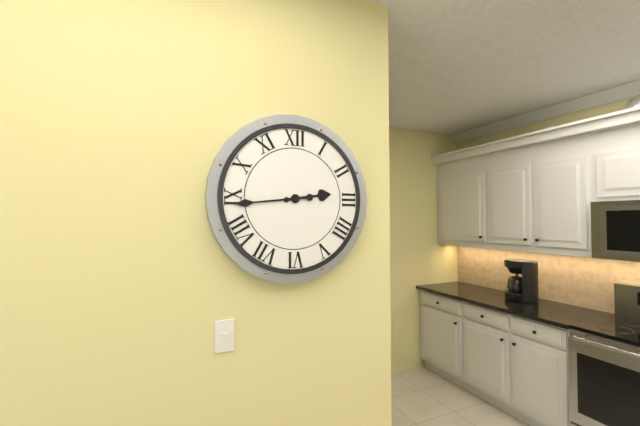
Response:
{"hour": 2, "minute": 44}
